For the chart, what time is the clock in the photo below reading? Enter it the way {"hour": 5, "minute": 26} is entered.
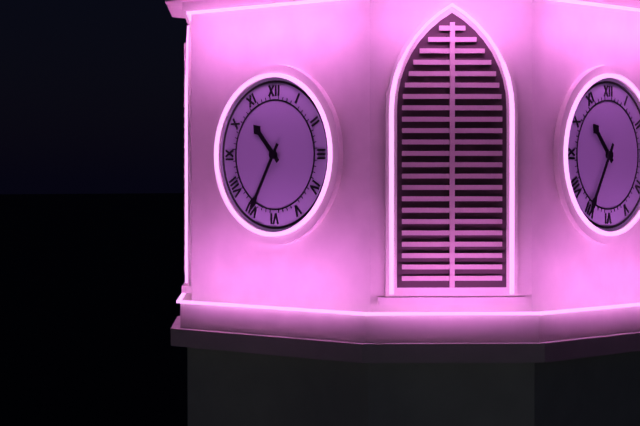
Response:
{"hour": 10, "minute": 35}
